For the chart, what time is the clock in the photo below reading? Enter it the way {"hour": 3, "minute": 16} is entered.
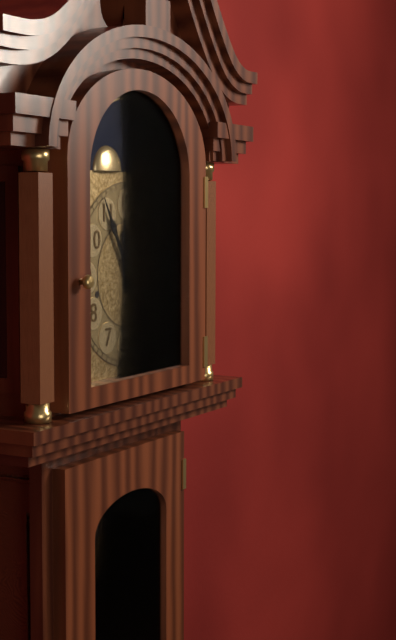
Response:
{"hour": 11, "minute": 55}
